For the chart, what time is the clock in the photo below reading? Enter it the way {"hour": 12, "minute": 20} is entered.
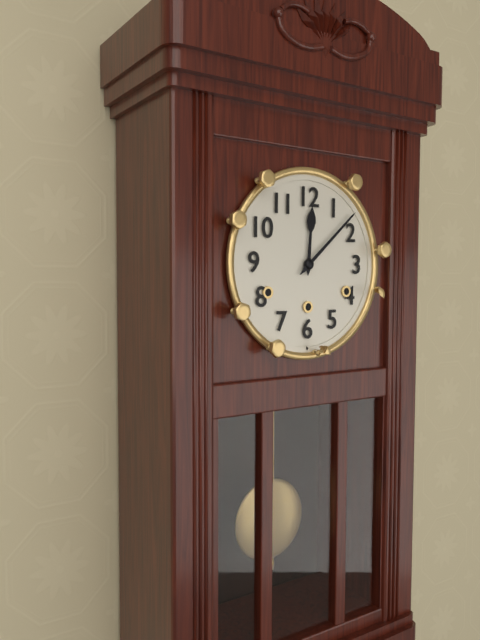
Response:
{"hour": 12, "minute": 8}
